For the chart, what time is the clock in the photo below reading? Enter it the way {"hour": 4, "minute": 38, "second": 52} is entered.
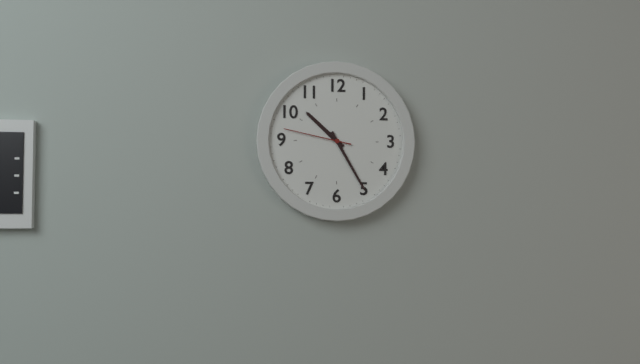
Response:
{"hour": 10, "minute": 25, "second": 47}
